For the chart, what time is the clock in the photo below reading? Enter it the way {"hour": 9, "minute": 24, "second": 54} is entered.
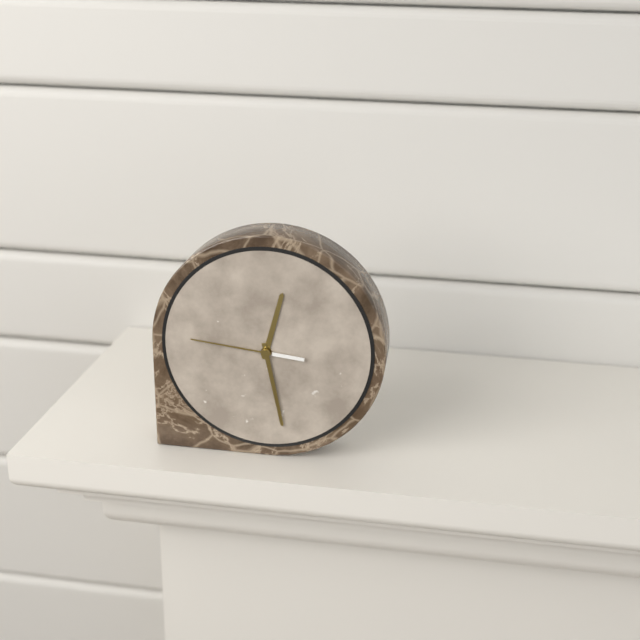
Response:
{"hour": 12, "minute": 28, "second": 46}
